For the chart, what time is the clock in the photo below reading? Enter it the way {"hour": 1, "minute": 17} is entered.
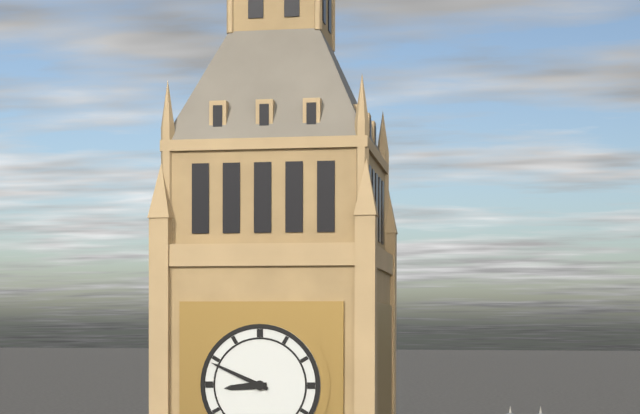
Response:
{"hour": 8, "minute": 49}
